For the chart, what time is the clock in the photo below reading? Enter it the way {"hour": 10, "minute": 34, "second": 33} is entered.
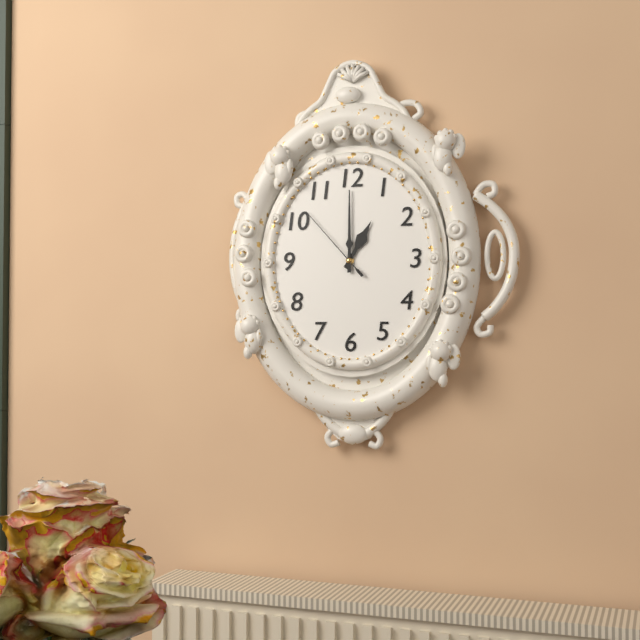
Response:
{"hour": 1, "minute": 0, "second": 53}
